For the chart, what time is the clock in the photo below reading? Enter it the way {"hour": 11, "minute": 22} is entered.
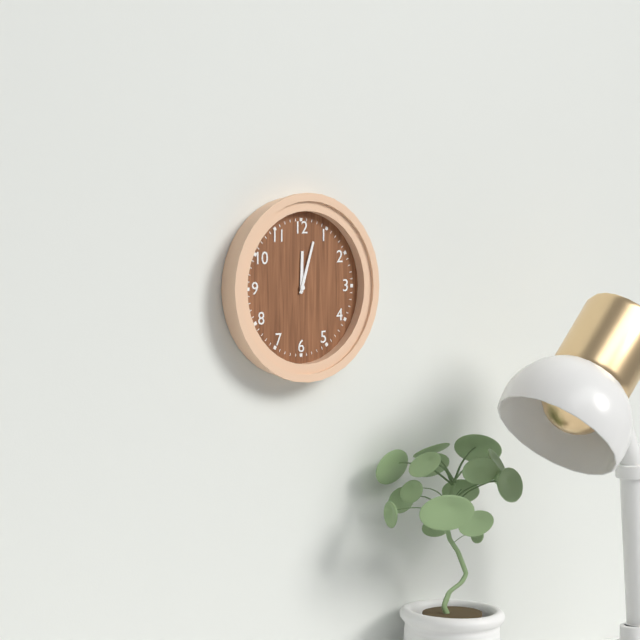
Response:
{"hour": 12, "minute": 3}
